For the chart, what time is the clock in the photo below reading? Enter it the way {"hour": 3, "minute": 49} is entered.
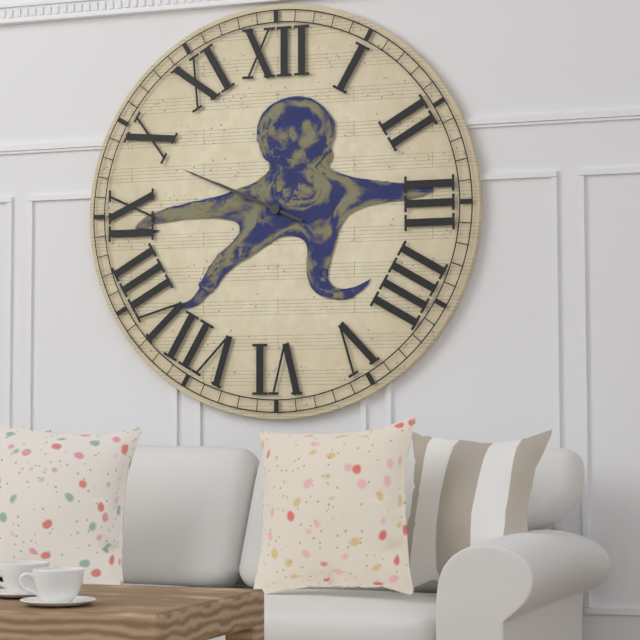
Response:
{"hour": 9, "minute": 49}
